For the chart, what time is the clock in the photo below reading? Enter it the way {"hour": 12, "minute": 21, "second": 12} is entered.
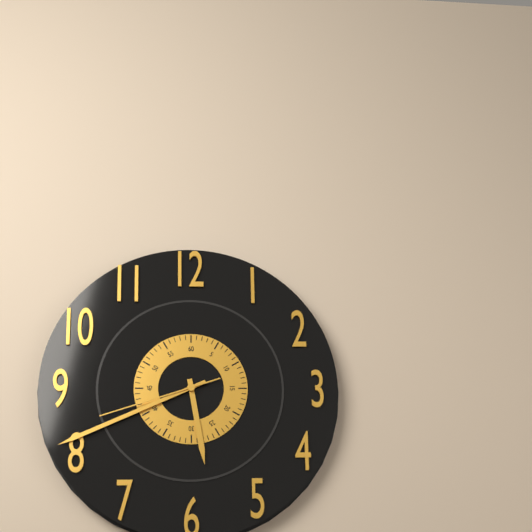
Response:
{"hour": 5, "minute": 41, "second": 42}
